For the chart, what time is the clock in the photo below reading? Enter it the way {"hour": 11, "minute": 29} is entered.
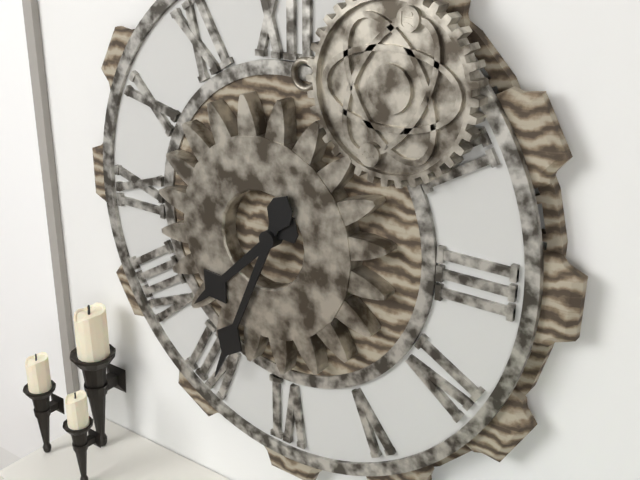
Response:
{"hour": 7, "minute": 34}
